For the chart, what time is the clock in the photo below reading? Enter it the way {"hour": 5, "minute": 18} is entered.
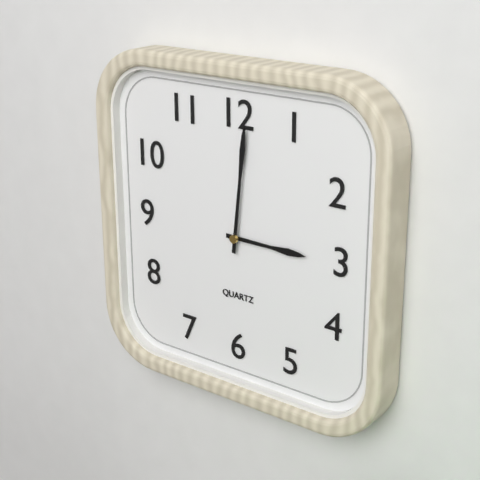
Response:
{"hour": 3, "minute": 1}
